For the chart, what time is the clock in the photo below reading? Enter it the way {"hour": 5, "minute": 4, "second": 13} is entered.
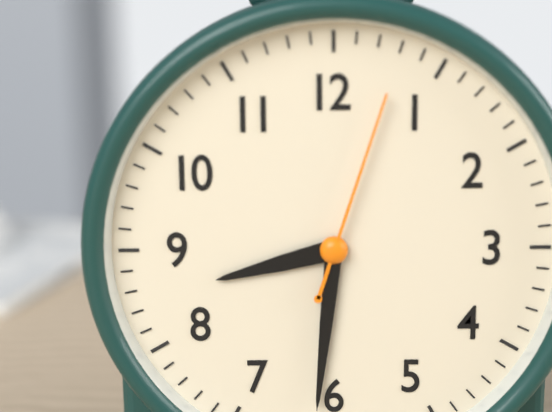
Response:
{"hour": 8, "minute": 31, "second": 3}
